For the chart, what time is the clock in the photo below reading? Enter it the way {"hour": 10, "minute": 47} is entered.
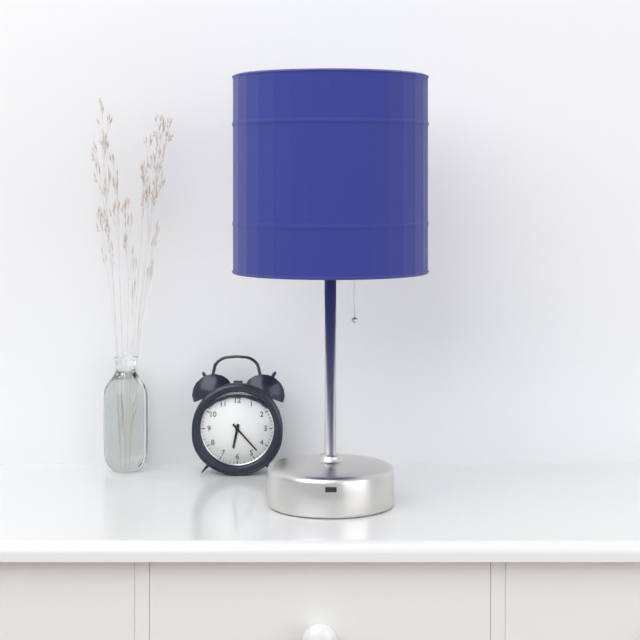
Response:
{"hour": 6, "minute": 23}
